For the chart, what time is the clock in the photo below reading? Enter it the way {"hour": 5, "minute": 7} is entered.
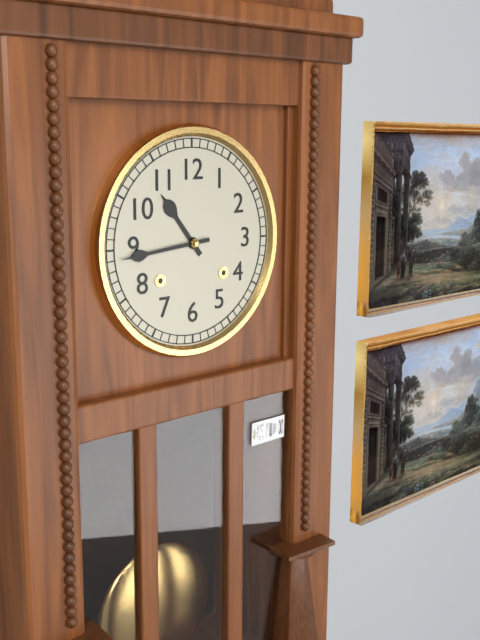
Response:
{"hour": 10, "minute": 44}
